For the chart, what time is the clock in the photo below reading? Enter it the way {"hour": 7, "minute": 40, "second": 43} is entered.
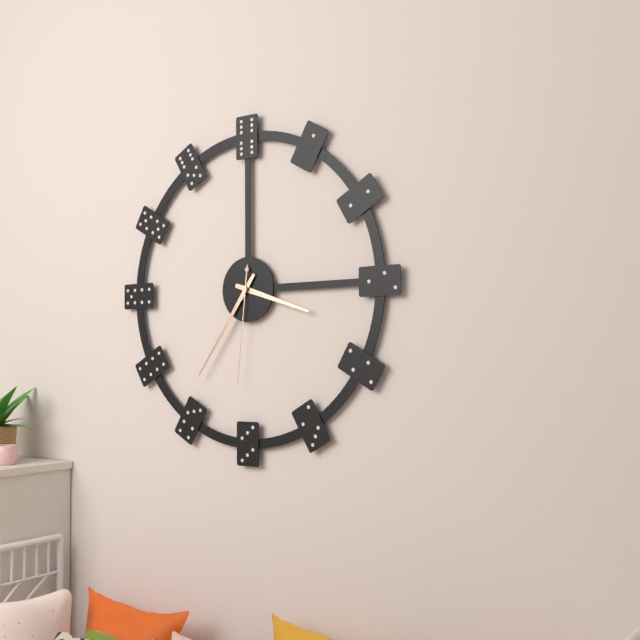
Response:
{"hour": 3, "minute": 36, "second": 31}
